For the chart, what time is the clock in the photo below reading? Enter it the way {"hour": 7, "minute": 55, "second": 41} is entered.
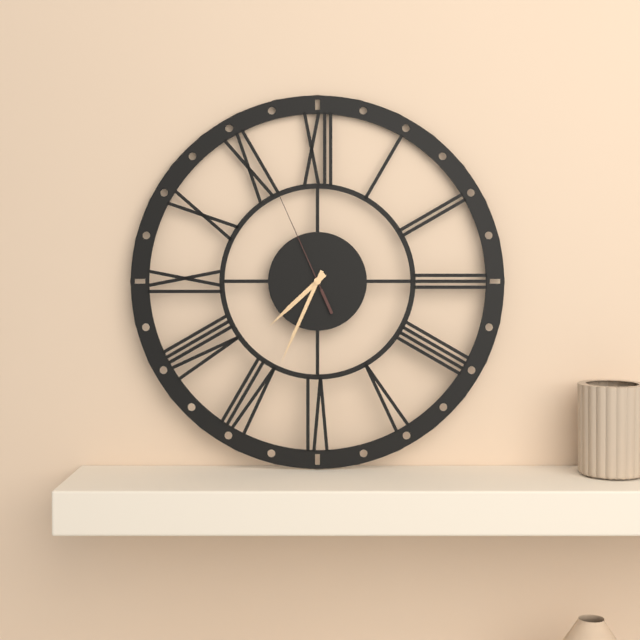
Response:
{"hour": 7, "minute": 34, "second": 56}
